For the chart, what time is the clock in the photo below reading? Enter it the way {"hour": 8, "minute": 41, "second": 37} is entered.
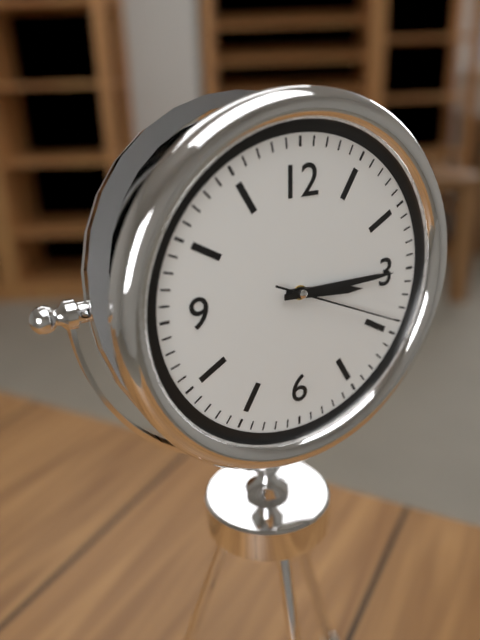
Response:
{"hour": 3, "minute": 15, "second": 19}
